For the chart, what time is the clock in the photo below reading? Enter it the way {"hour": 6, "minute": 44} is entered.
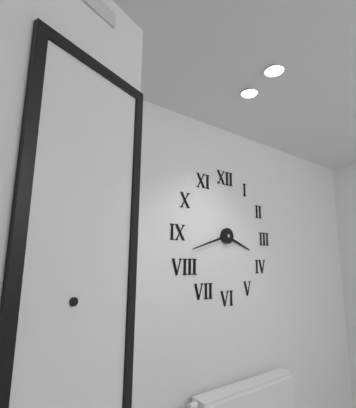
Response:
{"hour": 3, "minute": 42}
